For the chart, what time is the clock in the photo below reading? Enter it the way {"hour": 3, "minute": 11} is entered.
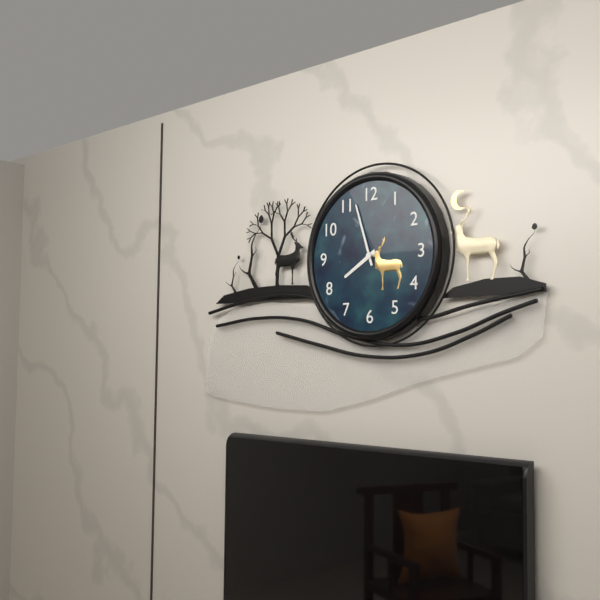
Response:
{"hour": 7, "minute": 57}
